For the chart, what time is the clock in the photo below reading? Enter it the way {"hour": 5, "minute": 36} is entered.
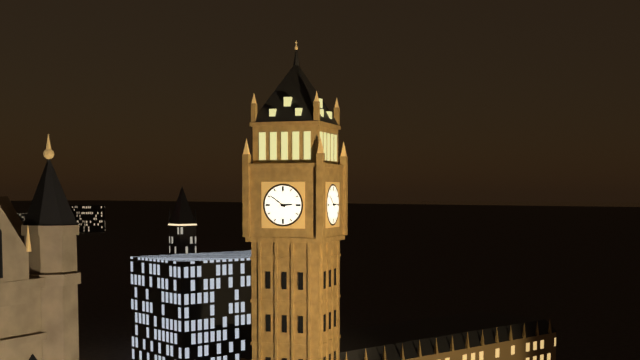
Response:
{"hour": 2, "minute": 51}
